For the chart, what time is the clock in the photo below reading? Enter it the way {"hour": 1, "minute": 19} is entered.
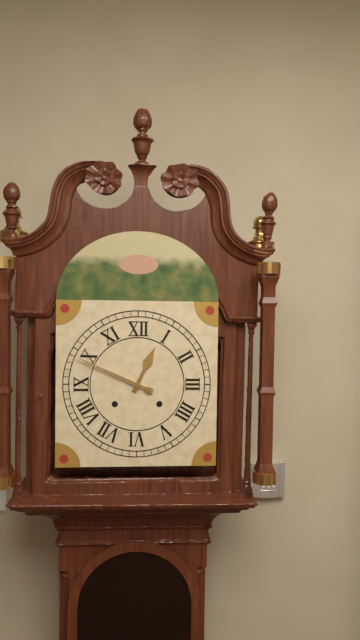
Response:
{"hour": 12, "minute": 49}
